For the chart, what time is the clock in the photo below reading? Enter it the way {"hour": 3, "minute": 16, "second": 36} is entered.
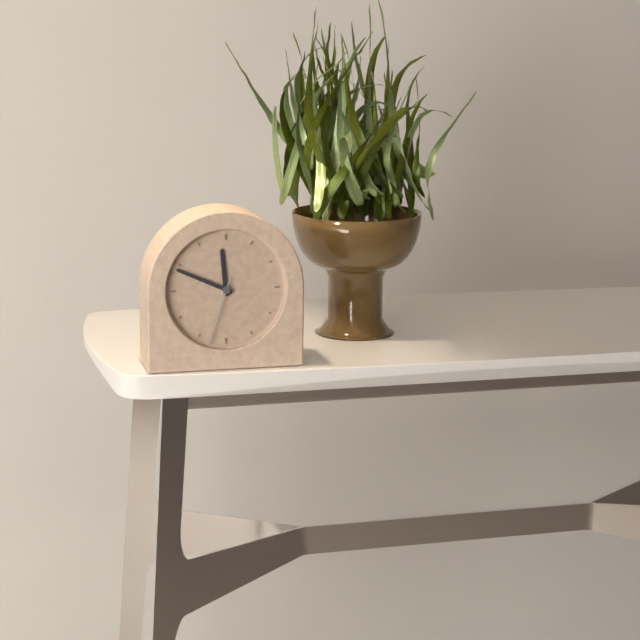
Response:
{"hour": 11, "minute": 49, "second": 33}
